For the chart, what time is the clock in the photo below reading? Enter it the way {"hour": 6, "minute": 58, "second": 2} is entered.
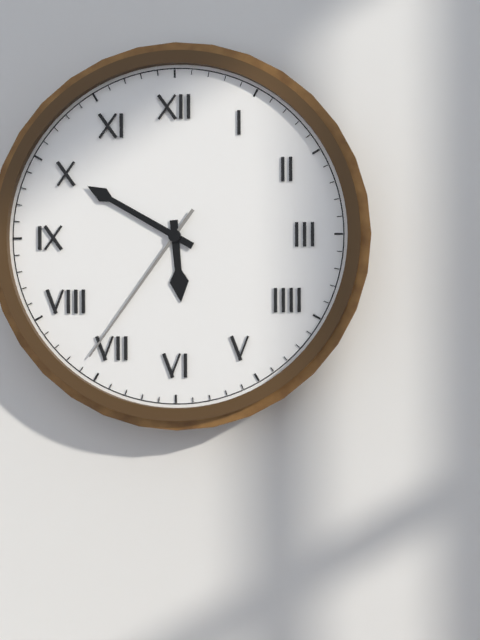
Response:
{"hour": 5, "minute": 50, "second": 36}
